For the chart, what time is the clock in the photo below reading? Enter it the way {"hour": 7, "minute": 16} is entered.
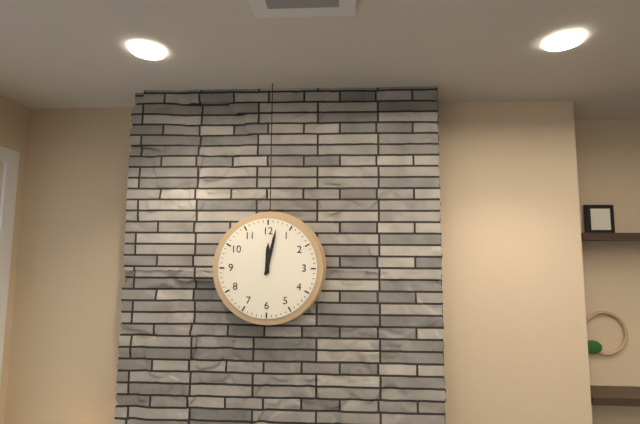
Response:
{"hour": 12, "minute": 2}
